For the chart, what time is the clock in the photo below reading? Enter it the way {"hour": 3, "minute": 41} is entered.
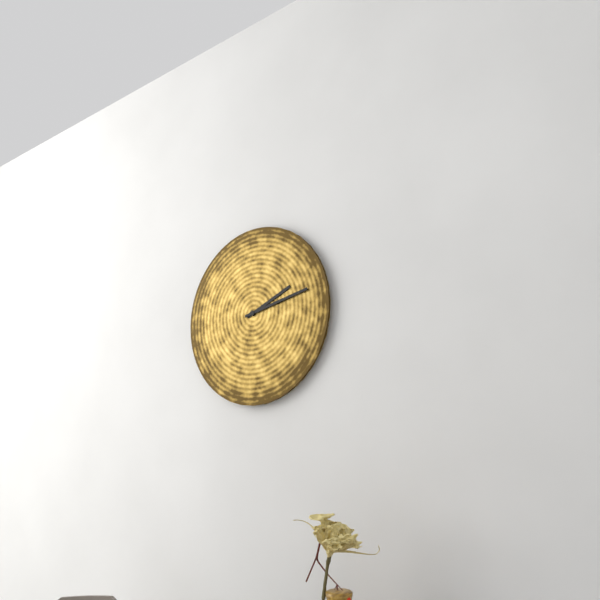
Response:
{"hour": 2, "minute": 13}
